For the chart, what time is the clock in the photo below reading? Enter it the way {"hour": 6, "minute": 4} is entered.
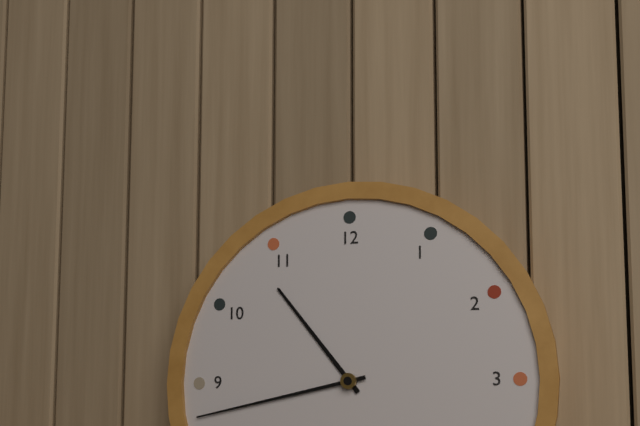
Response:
{"hour": 10, "minute": 43}
